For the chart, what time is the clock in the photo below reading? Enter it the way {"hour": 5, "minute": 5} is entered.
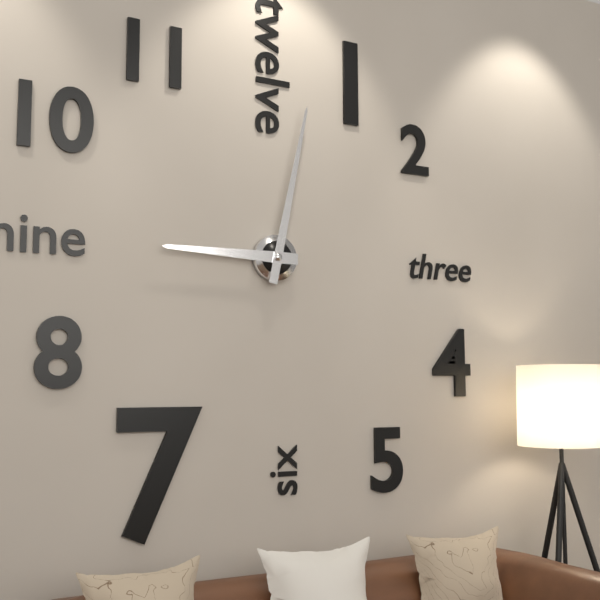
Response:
{"hour": 9, "minute": 2}
